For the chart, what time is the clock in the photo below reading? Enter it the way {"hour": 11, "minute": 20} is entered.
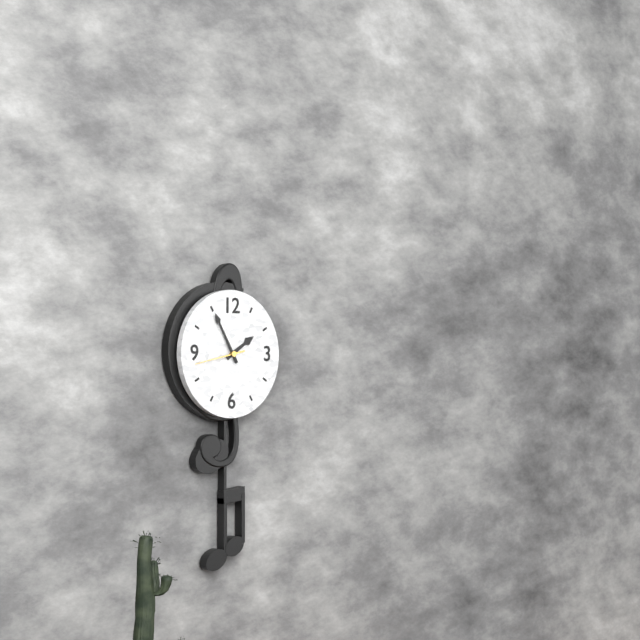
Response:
{"hour": 1, "minute": 55}
